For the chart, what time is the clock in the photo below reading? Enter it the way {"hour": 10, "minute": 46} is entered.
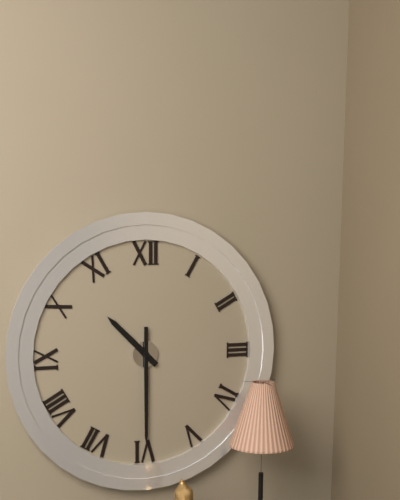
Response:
{"hour": 10, "minute": 30}
